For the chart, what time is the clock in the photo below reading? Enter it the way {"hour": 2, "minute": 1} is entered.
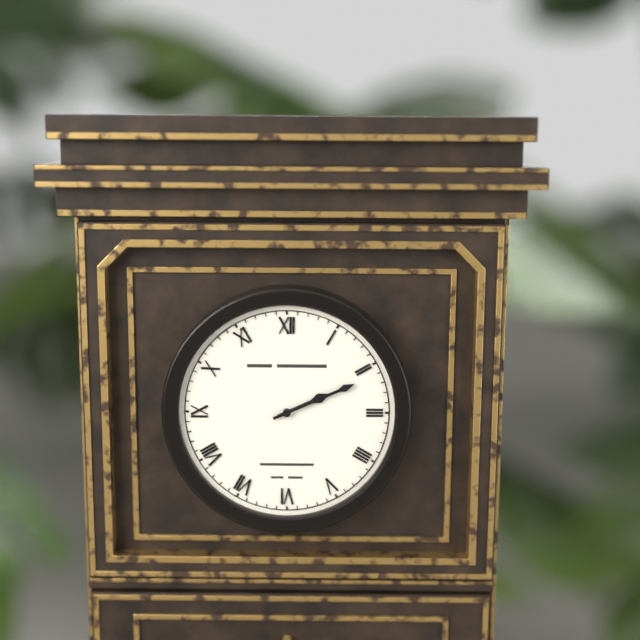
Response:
{"hour": 2, "minute": 11}
